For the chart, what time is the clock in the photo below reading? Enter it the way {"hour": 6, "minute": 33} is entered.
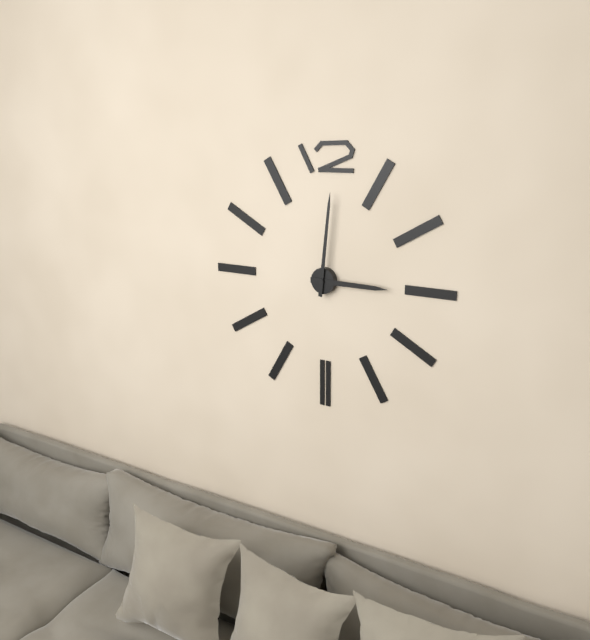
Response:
{"hour": 3, "minute": 1}
